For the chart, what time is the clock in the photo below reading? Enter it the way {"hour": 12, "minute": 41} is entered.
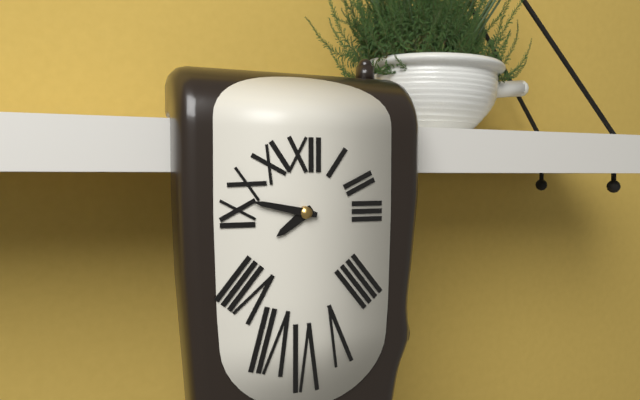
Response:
{"hour": 7, "minute": 47}
